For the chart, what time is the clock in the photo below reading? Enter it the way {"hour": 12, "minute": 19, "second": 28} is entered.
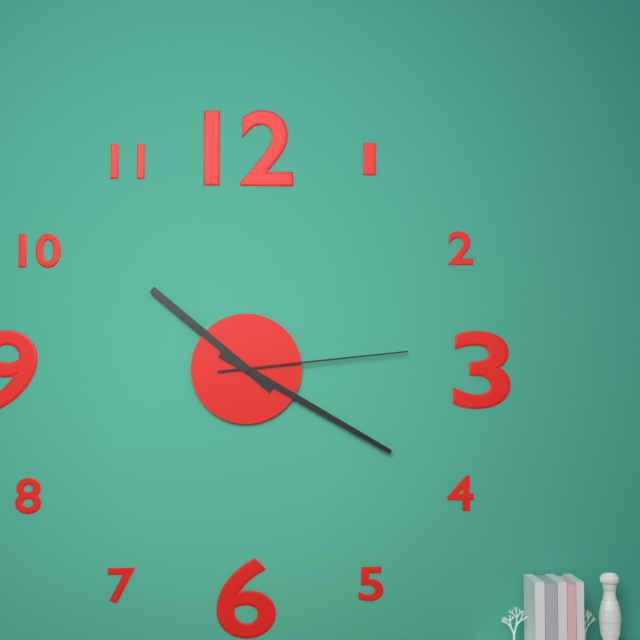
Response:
{"hour": 10, "minute": 20, "second": 14}
